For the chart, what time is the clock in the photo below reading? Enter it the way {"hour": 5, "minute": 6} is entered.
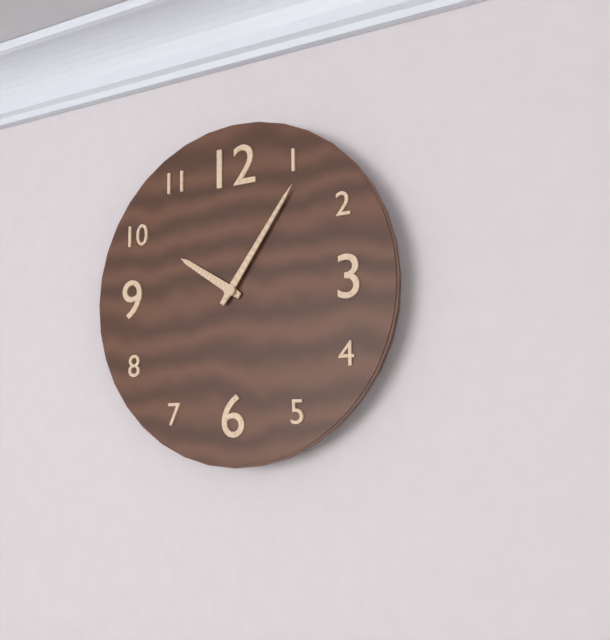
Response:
{"hour": 10, "minute": 6}
